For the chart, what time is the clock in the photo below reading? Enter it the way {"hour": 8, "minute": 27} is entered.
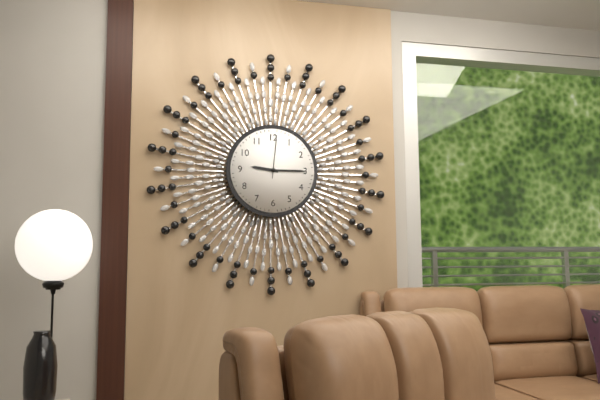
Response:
{"hour": 9, "minute": 15}
